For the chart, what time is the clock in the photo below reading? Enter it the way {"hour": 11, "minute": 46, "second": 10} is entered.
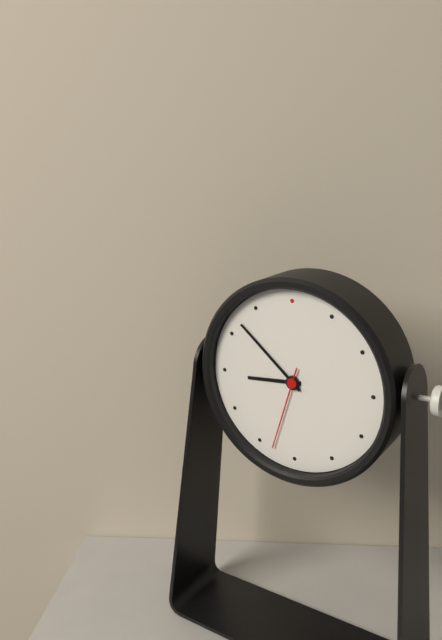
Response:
{"hour": 8, "minute": 52, "second": 33}
